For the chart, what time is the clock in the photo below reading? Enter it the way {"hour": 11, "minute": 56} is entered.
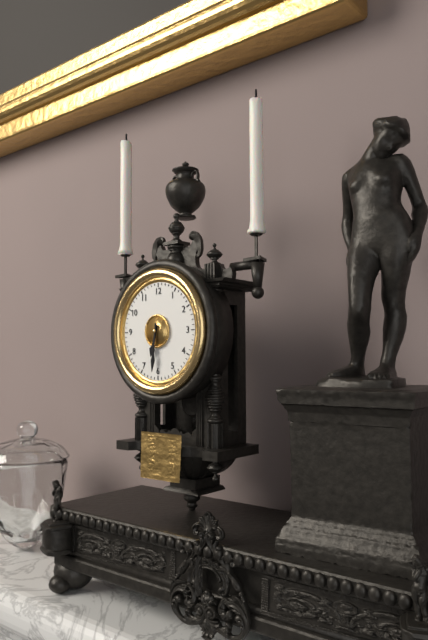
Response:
{"hour": 6, "minute": 31}
